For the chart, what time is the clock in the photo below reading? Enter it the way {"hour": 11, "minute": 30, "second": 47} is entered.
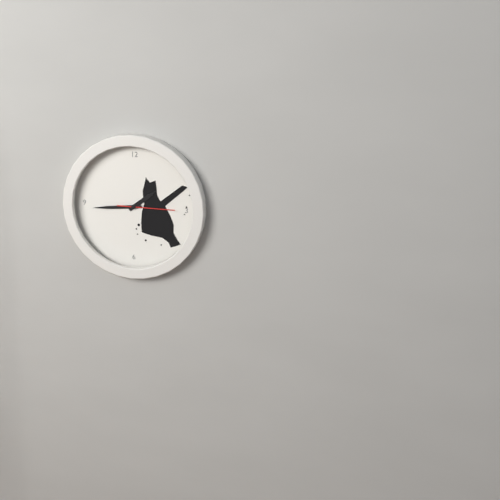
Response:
{"hour": 1, "minute": 44, "second": 15}
